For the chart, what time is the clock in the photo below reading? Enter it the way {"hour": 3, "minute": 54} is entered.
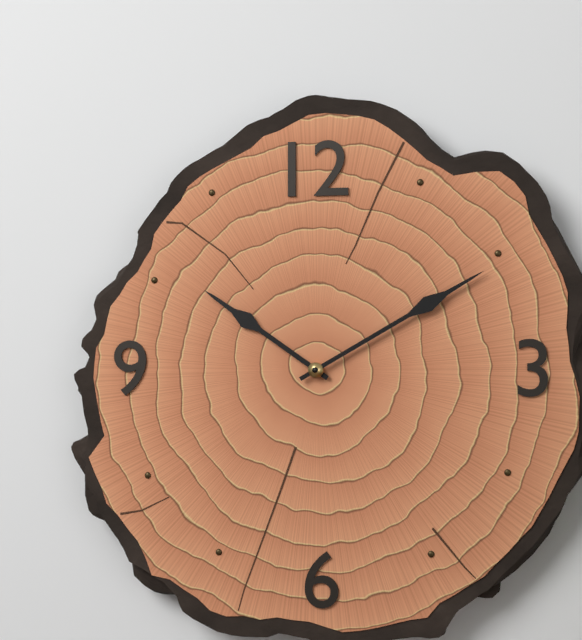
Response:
{"hour": 10, "minute": 10}
